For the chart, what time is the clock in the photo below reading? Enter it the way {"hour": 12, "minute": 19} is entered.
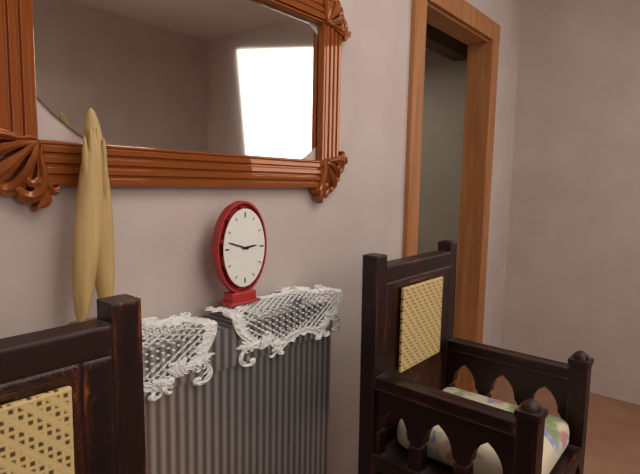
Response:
{"hour": 2, "minute": 48}
